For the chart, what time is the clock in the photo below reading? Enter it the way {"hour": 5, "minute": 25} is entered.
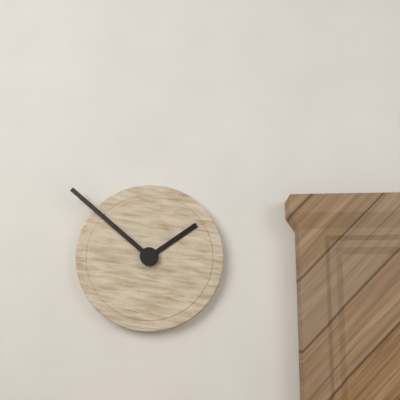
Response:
{"hour": 1, "minute": 52}
